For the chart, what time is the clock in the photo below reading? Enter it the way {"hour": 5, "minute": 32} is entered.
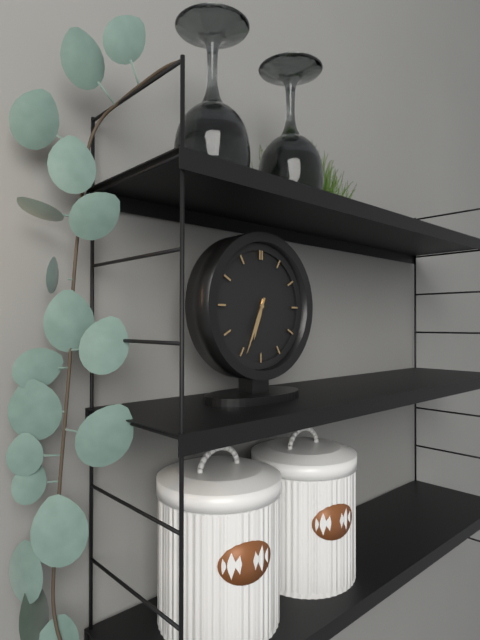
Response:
{"hour": 6, "minute": 34}
